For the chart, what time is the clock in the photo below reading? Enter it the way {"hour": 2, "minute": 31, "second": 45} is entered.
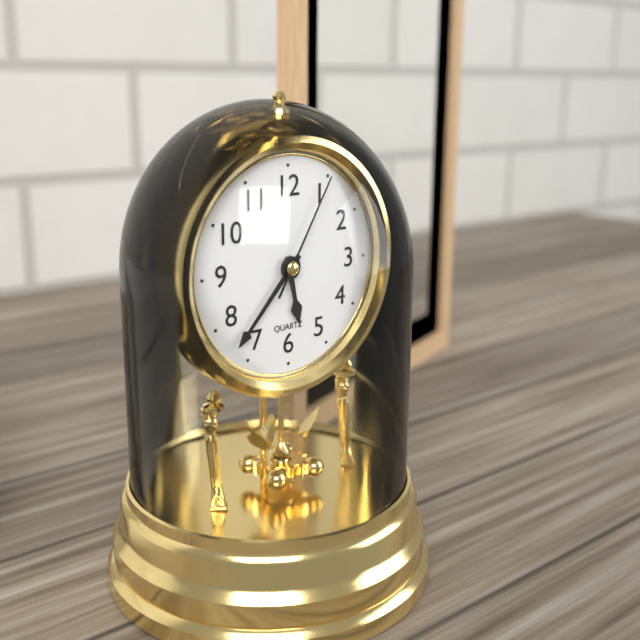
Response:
{"hour": 5, "minute": 37, "second": 5}
